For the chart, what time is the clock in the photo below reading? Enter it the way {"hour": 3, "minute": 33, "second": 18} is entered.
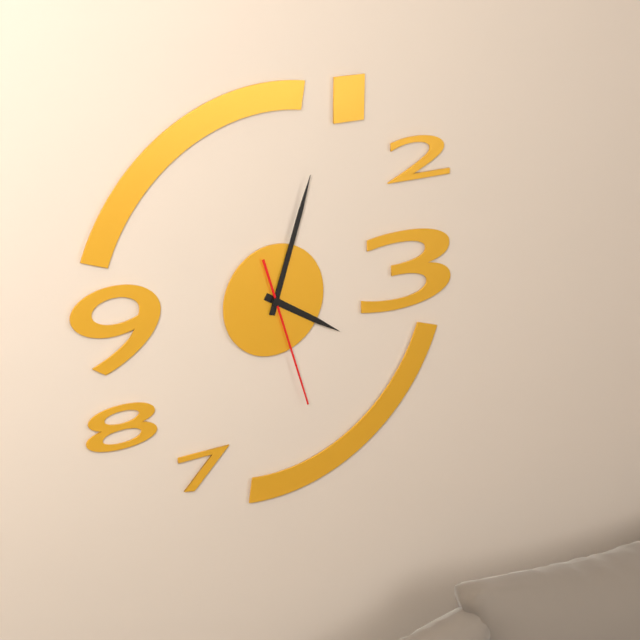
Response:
{"hour": 4, "minute": 3, "second": 27}
